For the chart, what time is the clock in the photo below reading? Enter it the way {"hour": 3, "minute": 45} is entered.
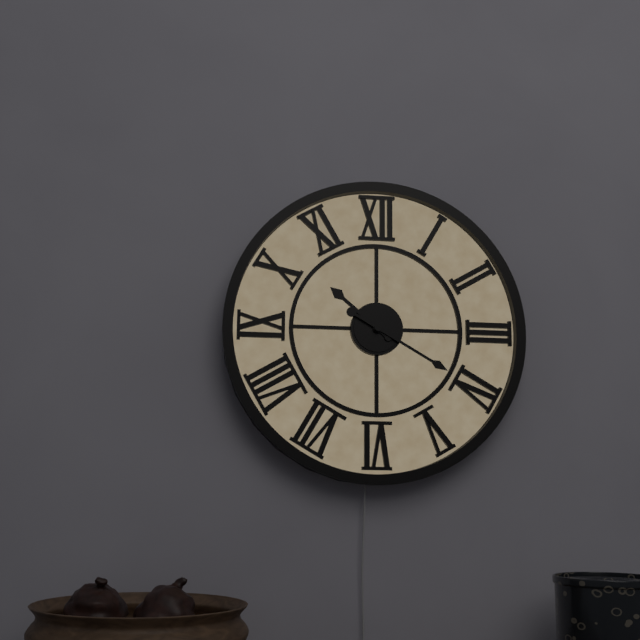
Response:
{"hour": 10, "minute": 20}
